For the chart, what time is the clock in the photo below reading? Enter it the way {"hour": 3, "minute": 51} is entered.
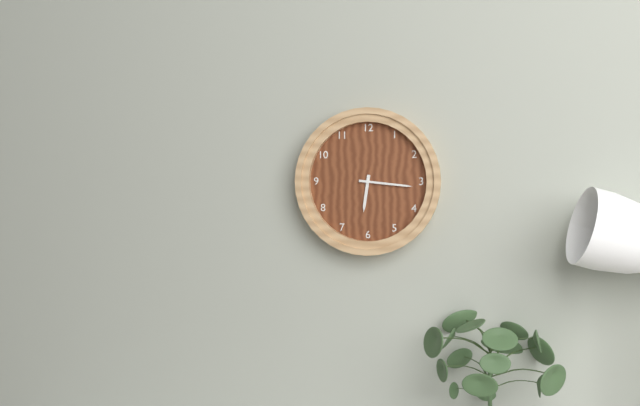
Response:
{"hour": 6, "minute": 16}
